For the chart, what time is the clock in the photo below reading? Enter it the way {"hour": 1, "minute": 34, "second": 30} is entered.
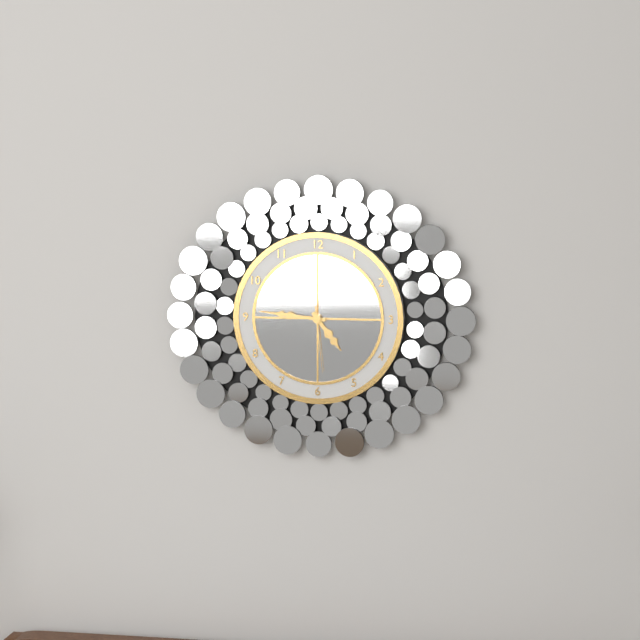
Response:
{"hour": 4, "minute": 46, "second": 29}
